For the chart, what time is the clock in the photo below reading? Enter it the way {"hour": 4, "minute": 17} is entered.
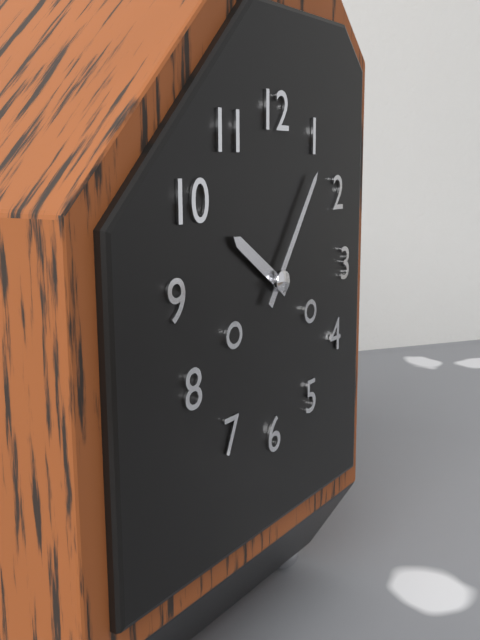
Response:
{"hour": 10, "minute": 6}
